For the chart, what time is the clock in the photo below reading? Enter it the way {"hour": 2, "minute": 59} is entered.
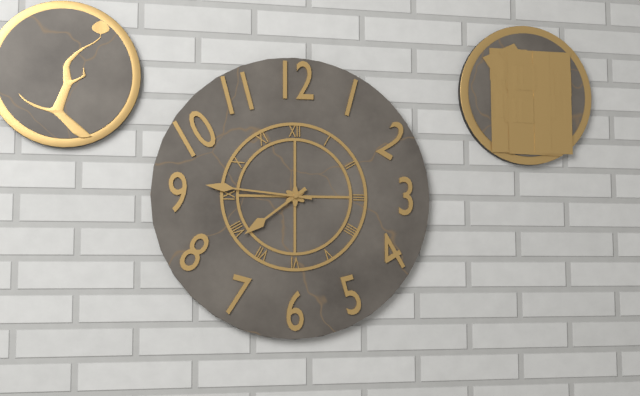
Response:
{"hour": 7, "minute": 46}
